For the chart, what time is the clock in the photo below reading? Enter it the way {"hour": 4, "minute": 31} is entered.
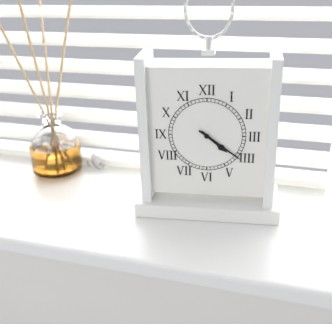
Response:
{"hour": 4, "minute": 21}
